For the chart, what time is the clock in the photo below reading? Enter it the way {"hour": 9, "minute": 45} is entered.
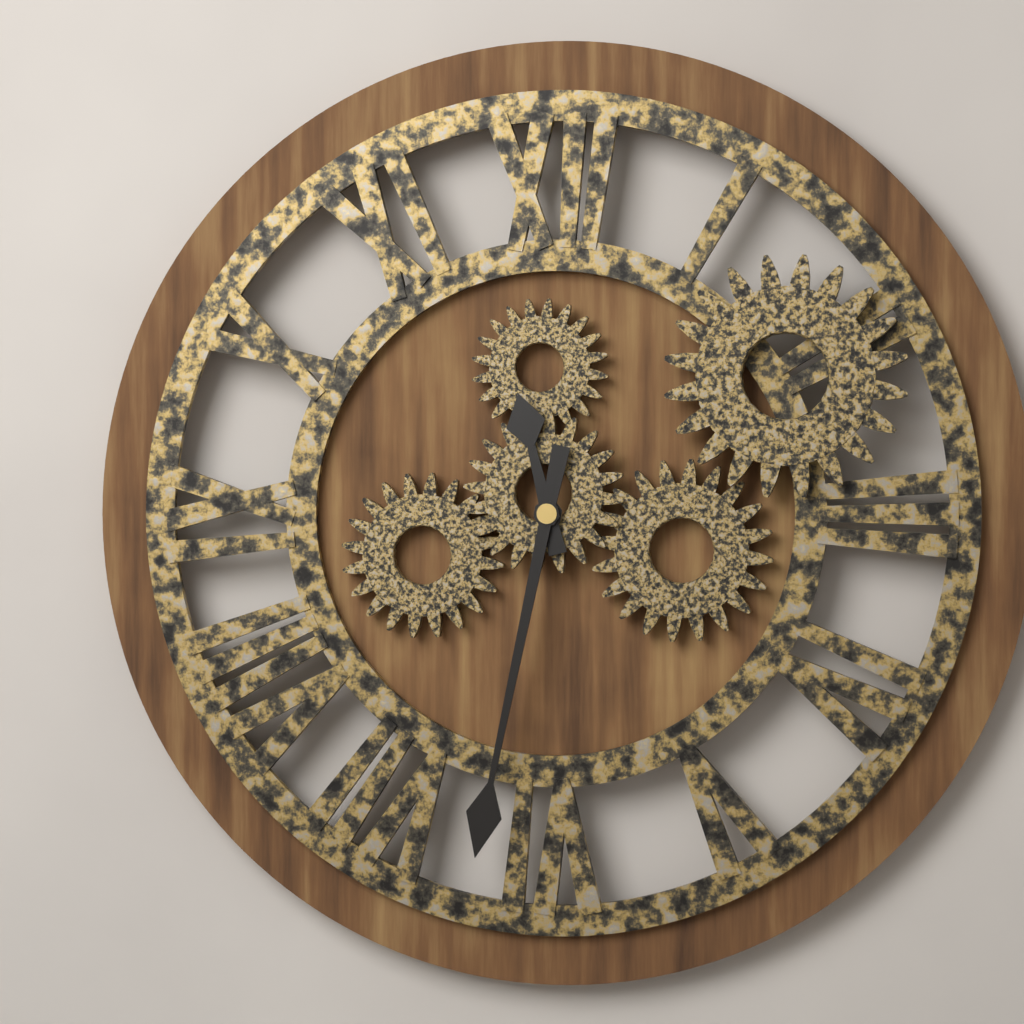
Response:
{"hour": 11, "minute": 32}
